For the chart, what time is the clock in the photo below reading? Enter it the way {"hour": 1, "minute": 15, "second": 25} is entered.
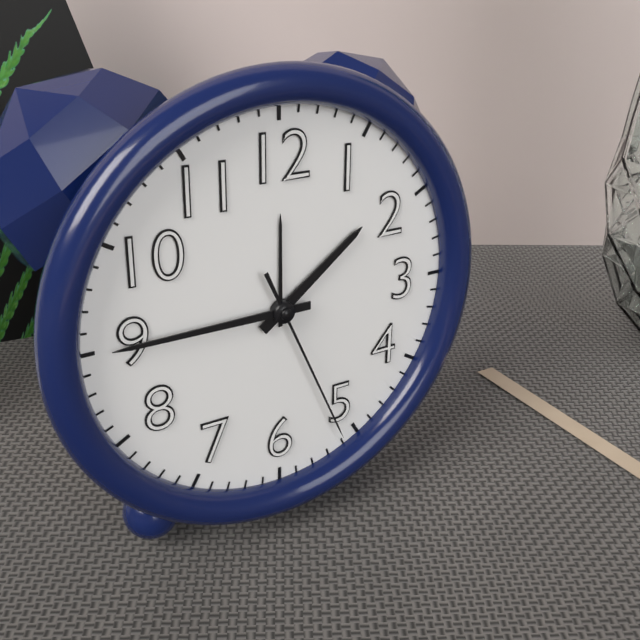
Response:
{"hour": 1, "minute": 45, "second": 26}
